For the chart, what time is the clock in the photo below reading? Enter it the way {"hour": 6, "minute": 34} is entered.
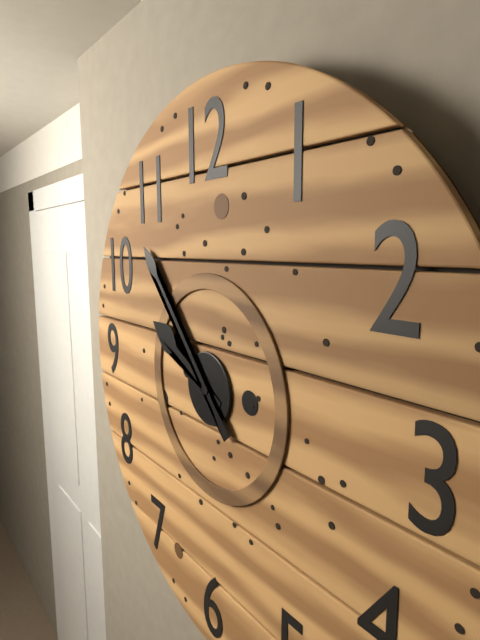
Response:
{"hour": 9, "minute": 53}
